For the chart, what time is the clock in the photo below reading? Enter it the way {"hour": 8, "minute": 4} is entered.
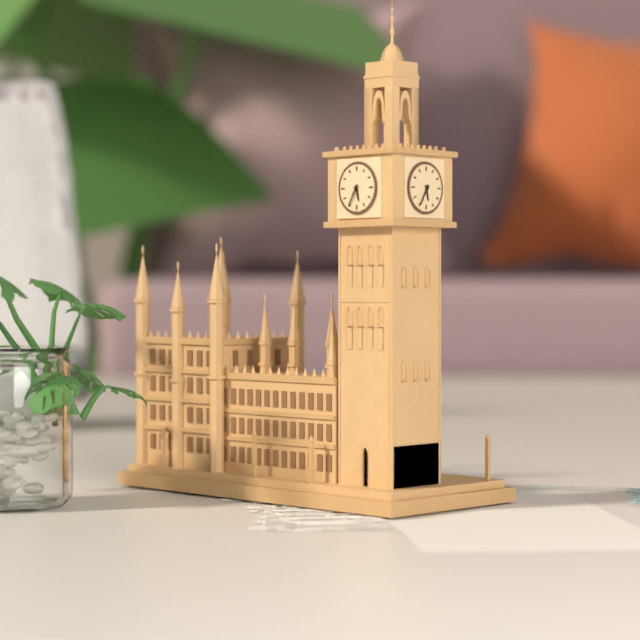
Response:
{"hour": 5, "minute": 35}
